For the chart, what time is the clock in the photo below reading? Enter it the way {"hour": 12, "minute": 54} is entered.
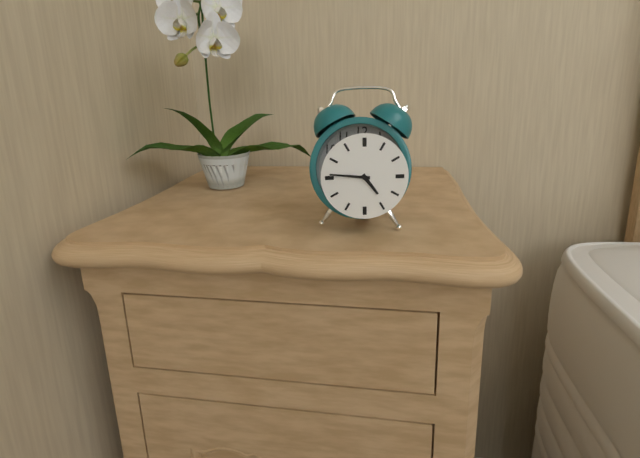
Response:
{"hour": 4, "minute": 46}
